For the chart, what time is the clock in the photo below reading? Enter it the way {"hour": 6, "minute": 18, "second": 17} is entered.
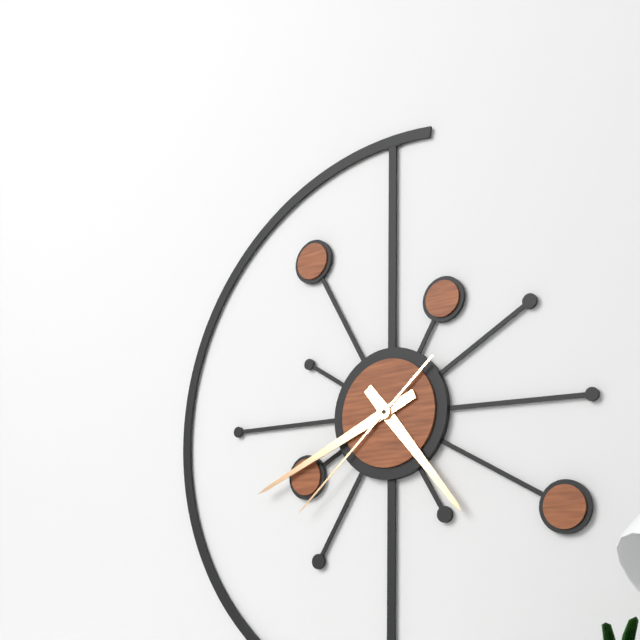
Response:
{"hour": 4, "minute": 41, "second": 38}
